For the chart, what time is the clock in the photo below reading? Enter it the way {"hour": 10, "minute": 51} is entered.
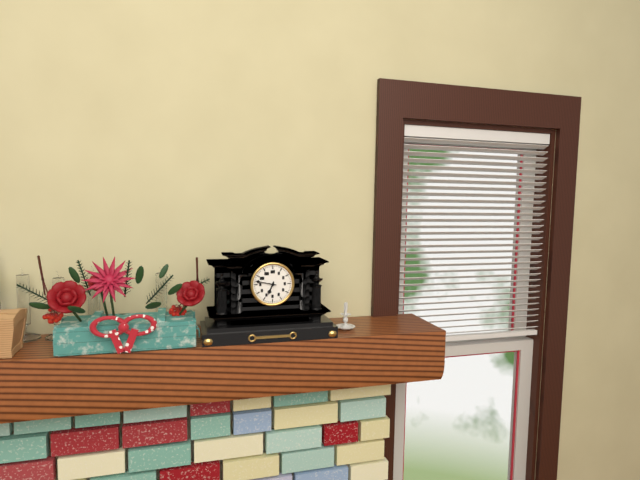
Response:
{"hour": 6, "minute": 47}
